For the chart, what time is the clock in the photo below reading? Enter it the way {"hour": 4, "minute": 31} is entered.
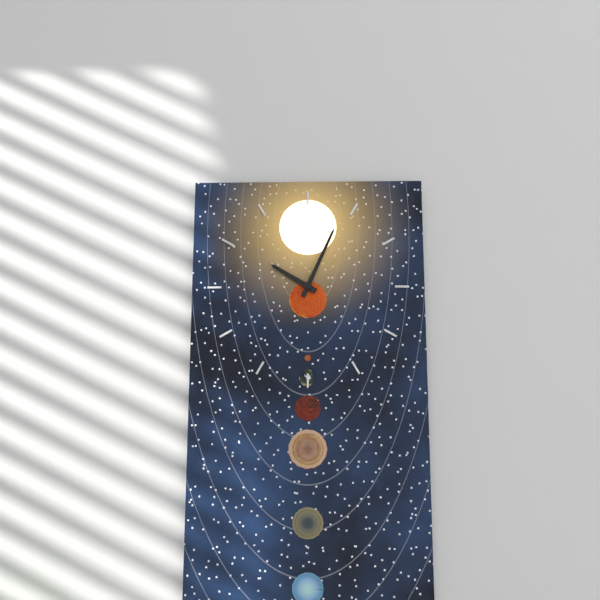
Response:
{"hour": 10, "minute": 4}
